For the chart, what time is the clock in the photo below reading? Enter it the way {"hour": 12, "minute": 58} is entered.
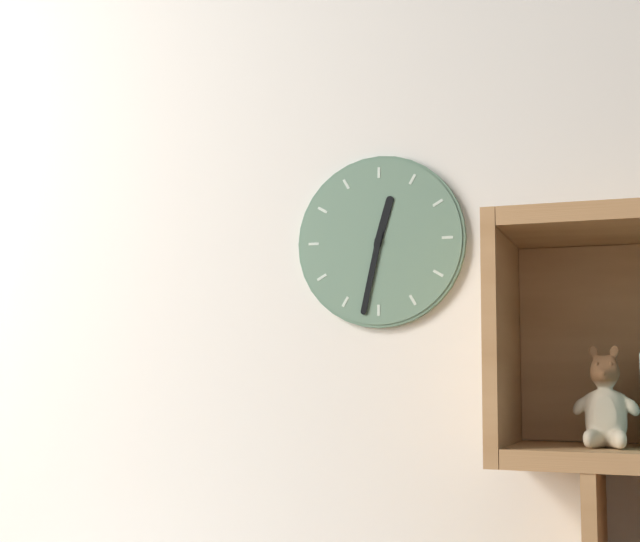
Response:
{"hour": 12, "minute": 32}
